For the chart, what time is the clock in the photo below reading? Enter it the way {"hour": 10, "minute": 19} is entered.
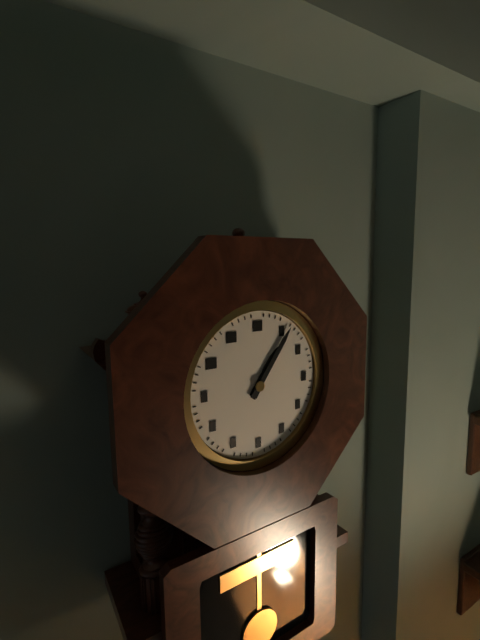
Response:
{"hour": 1, "minute": 6}
